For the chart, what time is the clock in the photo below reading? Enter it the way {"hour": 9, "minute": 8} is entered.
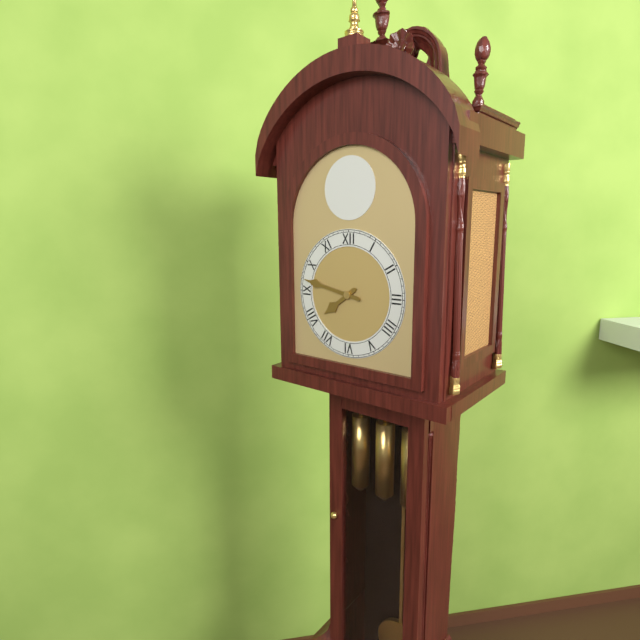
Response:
{"hour": 7, "minute": 47}
